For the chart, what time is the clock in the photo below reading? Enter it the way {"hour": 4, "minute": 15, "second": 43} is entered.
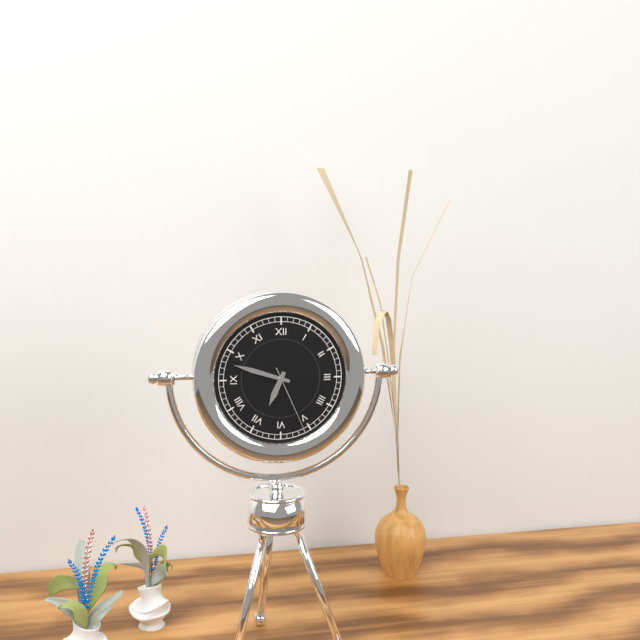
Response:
{"hour": 6, "minute": 48, "second": 26}
